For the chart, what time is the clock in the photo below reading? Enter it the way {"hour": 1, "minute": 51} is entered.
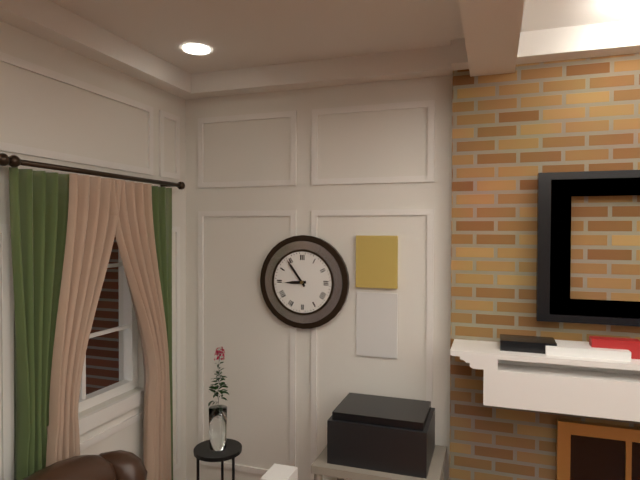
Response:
{"hour": 8, "minute": 54}
